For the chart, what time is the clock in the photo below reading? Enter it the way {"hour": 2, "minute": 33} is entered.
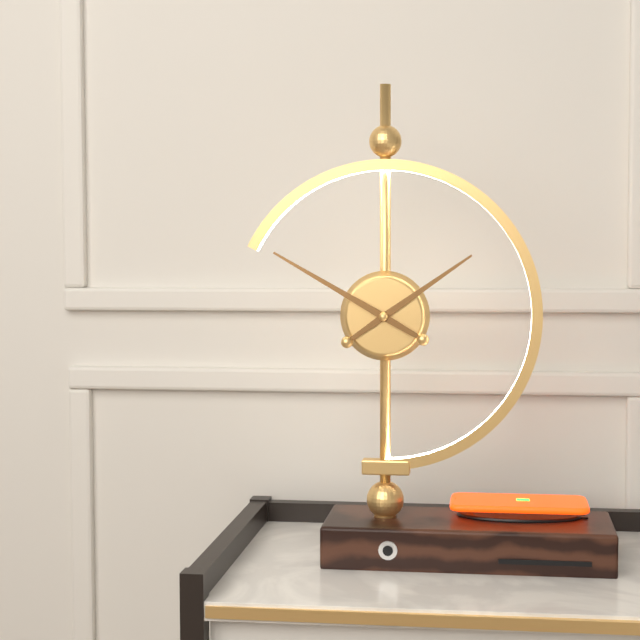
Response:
{"hour": 1, "minute": 50}
